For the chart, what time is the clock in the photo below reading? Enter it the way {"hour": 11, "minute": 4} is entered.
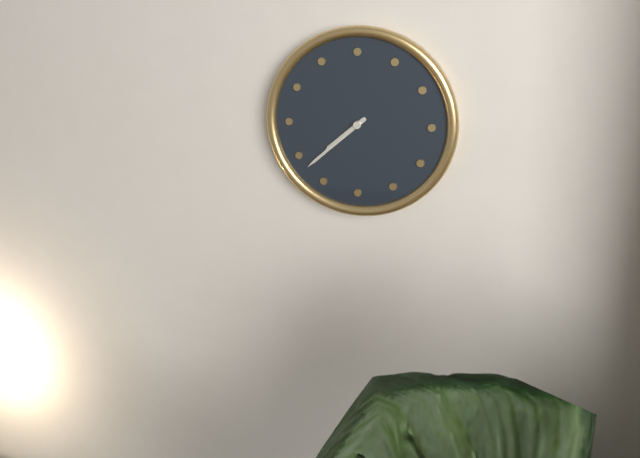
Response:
{"hour": 7, "minute": 38}
